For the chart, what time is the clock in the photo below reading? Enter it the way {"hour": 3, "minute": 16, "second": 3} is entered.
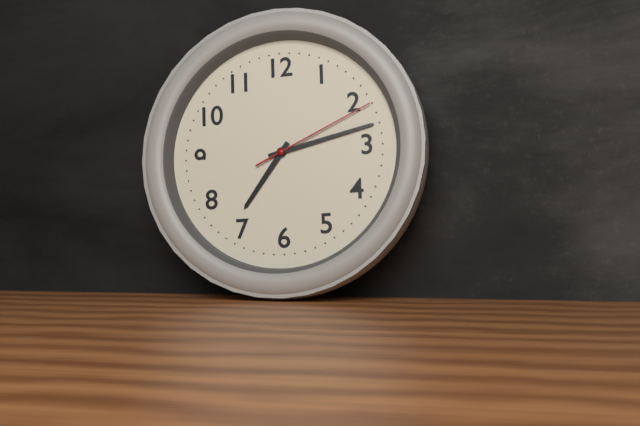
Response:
{"hour": 7, "minute": 13, "second": 11}
